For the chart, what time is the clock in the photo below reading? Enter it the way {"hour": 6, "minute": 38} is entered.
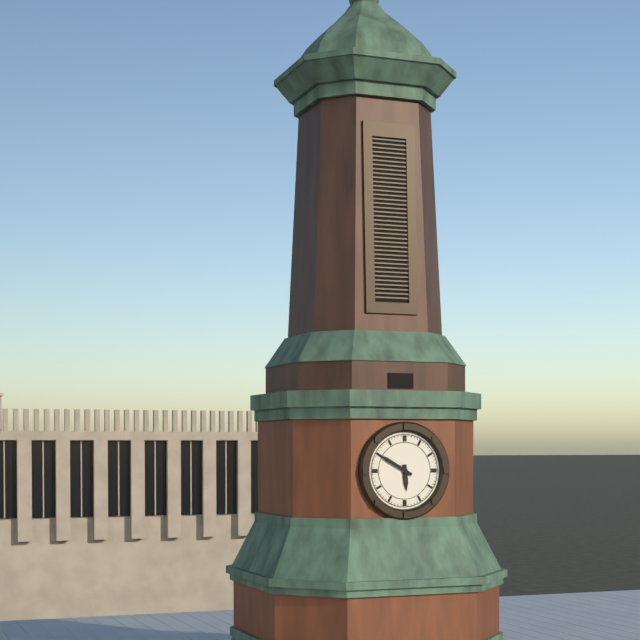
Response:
{"hour": 5, "minute": 50}
